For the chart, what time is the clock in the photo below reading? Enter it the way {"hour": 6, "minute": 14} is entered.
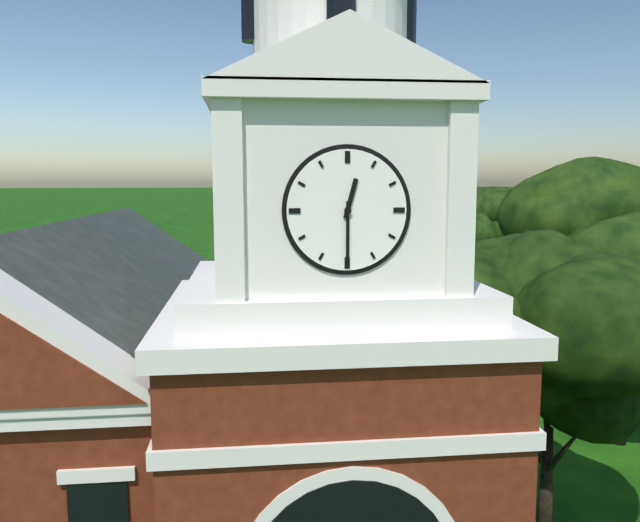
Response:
{"hour": 12, "minute": 30}
